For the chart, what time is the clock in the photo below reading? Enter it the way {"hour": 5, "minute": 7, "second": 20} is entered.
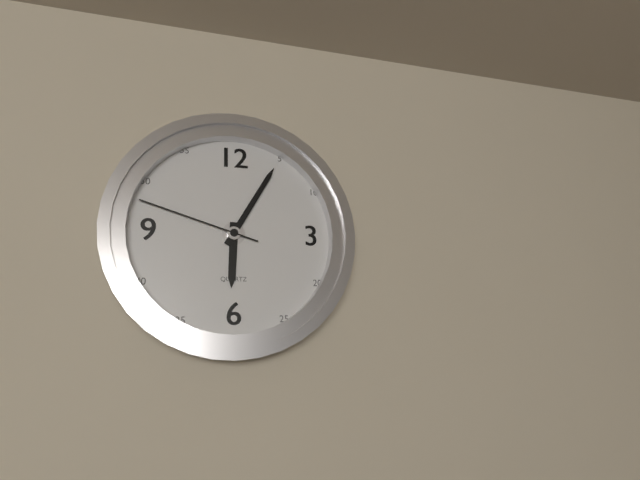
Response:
{"hour": 6, "minute": 5, "second": 48}
